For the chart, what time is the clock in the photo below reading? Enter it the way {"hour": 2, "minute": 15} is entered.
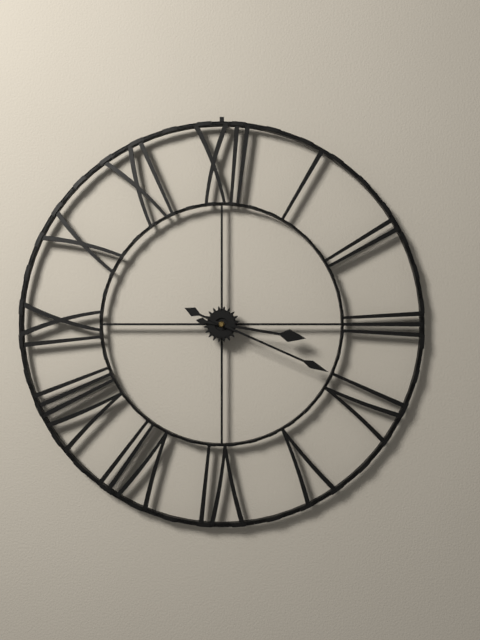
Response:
{"hour": 3, "minute": 19}
